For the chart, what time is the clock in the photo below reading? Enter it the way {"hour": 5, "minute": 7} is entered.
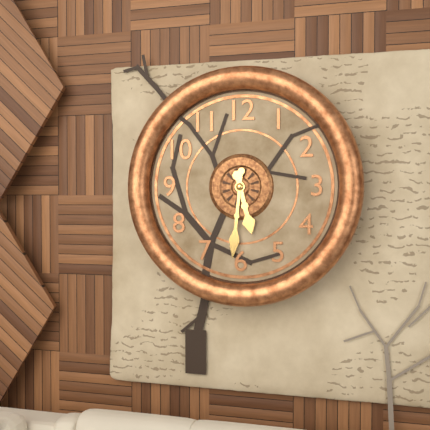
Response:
{"hour": 5, "minute": 31}
